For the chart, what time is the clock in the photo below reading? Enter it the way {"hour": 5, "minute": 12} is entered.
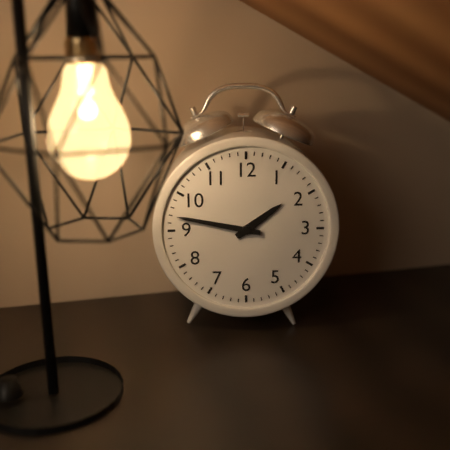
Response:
{"hour": 1, "minute": 47}
